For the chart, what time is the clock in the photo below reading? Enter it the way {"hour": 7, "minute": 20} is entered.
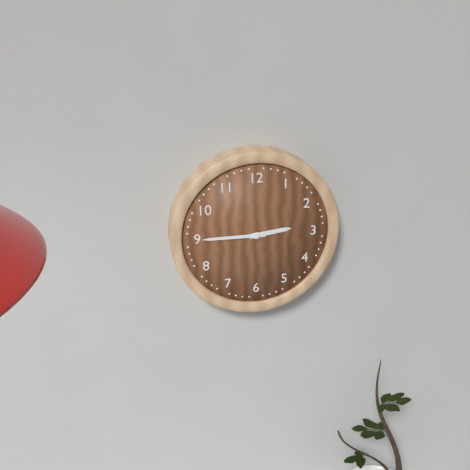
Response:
{"hour": 2, "minute": 45}
